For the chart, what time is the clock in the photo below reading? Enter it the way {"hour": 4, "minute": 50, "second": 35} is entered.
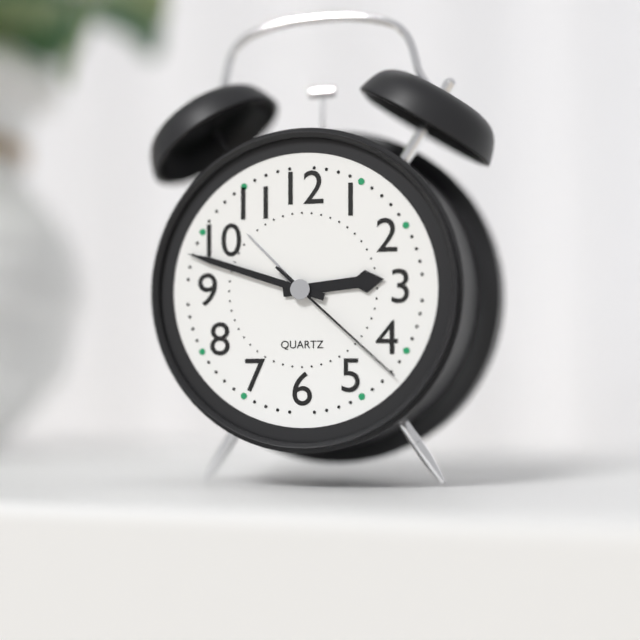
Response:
{"hour": 2, "minute": 48, "second": 22}
